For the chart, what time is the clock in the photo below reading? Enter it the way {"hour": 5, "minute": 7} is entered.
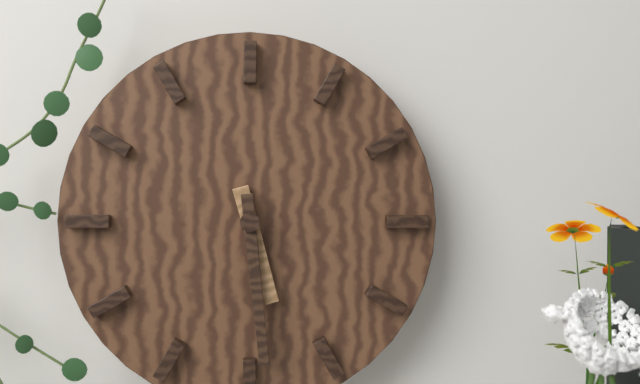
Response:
{"hour": 5, "minute": 29}
